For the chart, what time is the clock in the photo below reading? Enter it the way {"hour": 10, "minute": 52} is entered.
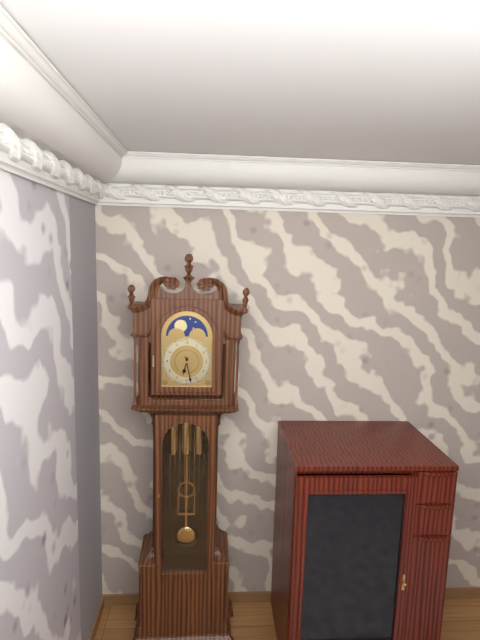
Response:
{"hour": 6, "minute": 28}
